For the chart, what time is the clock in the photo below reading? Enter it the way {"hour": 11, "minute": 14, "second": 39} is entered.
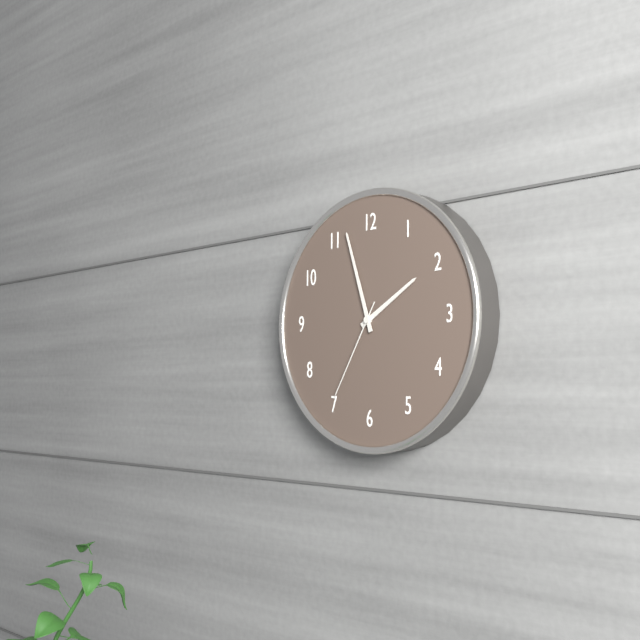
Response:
{"hour": 1, "minute": 57, "second": 35}
